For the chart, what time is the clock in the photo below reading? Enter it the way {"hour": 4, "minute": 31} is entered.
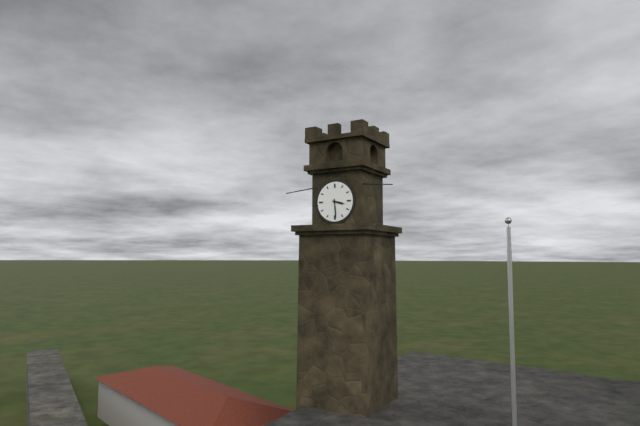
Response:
{"hour": 3, "minute": 29}
